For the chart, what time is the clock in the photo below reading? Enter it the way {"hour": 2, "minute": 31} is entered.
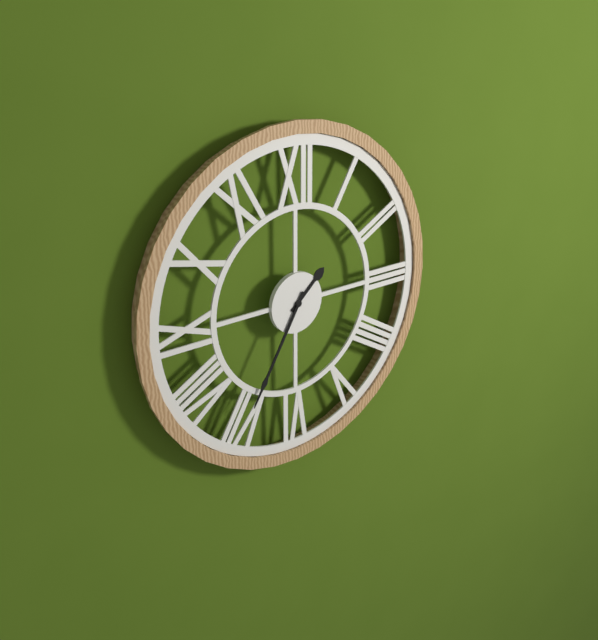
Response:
{"hour": 1, "minute": 35}
